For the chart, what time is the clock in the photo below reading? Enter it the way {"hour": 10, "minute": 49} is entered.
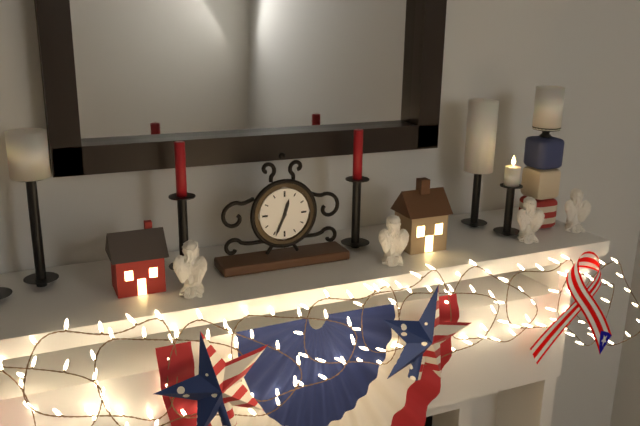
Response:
{"hour": 12, "minute": 34}
